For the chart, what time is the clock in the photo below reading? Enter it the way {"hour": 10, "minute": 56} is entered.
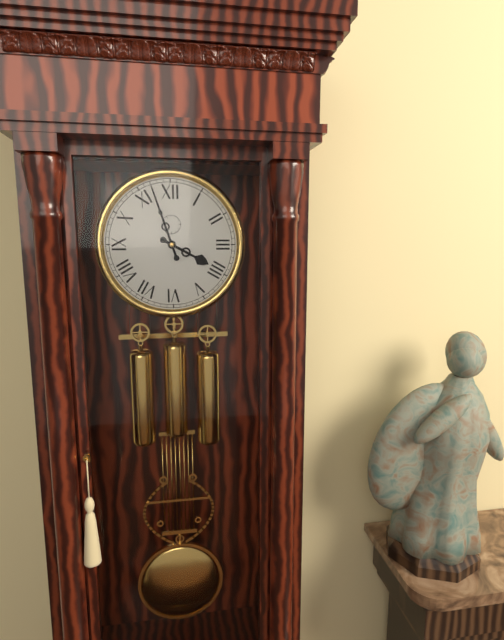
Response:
{"hour": 3, "minute": 57}
